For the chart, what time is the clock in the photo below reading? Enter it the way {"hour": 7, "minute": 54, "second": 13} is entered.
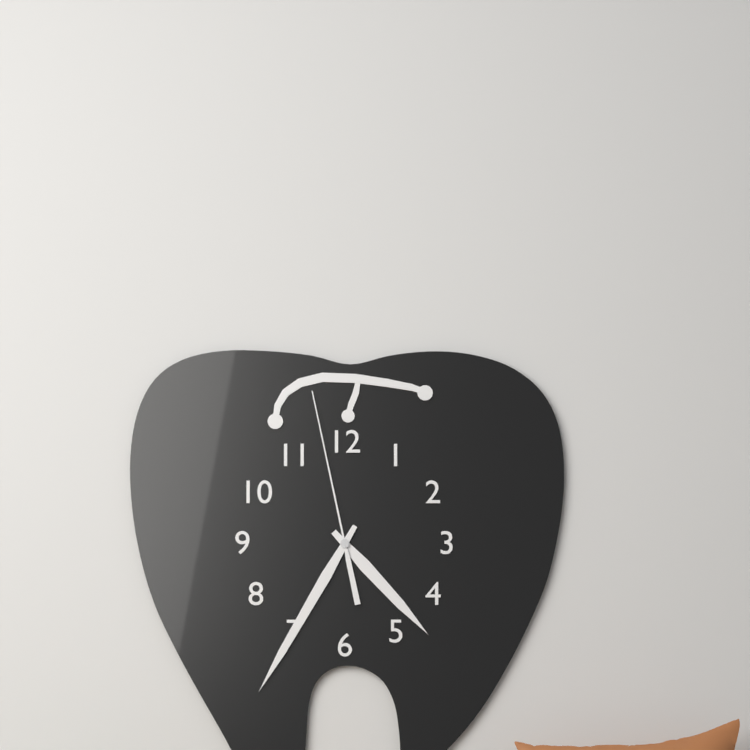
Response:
{"hour": 4, "minute": 35, "second": 58}
